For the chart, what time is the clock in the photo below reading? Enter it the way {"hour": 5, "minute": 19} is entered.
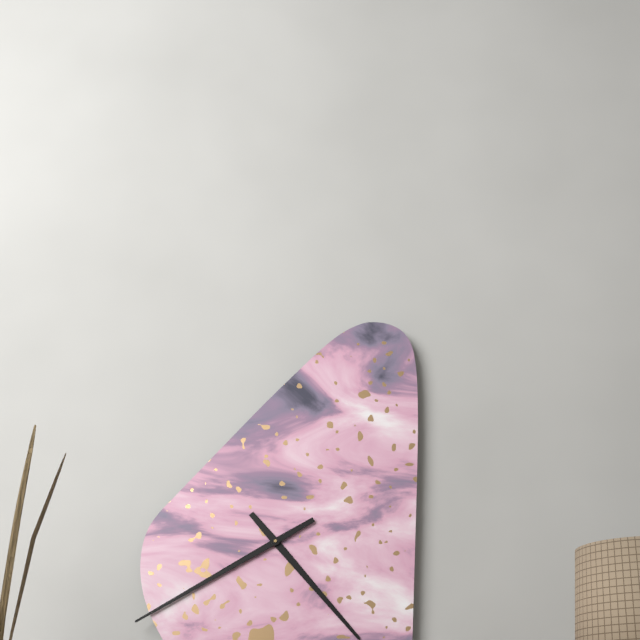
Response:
{"hour": 4, "minute": 40}
